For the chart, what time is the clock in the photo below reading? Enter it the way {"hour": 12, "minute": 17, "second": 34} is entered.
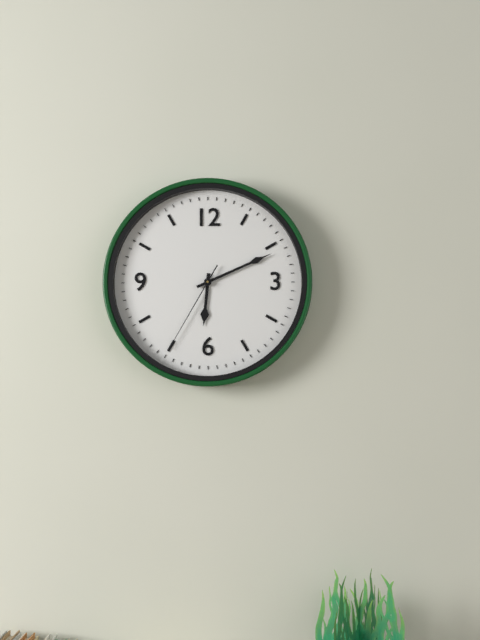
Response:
{"hour": 6, "minute": 11, "second": 35}
